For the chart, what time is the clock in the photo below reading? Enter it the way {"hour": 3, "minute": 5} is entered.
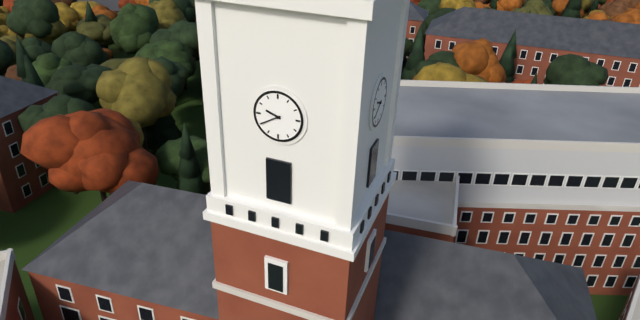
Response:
{"hour": 9, "minute": 40}
